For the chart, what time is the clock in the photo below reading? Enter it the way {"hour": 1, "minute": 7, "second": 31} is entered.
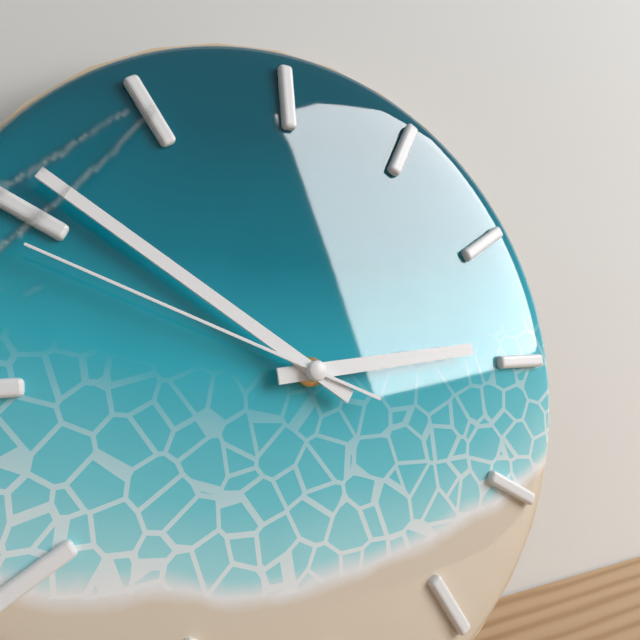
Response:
{"hour": 2, "minute": 51, "second": 49}
